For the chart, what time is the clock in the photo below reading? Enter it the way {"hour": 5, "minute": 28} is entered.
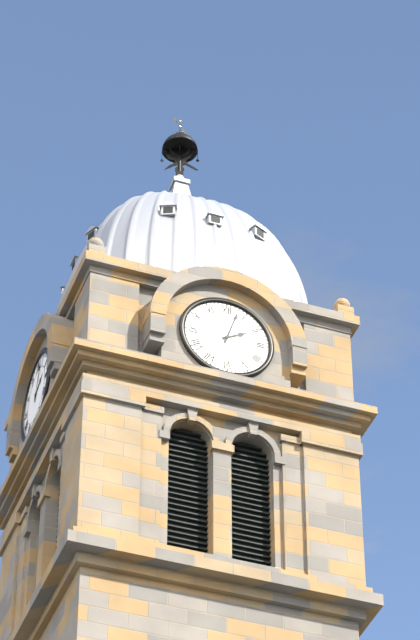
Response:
{"hour": 2, "minute": 3}
